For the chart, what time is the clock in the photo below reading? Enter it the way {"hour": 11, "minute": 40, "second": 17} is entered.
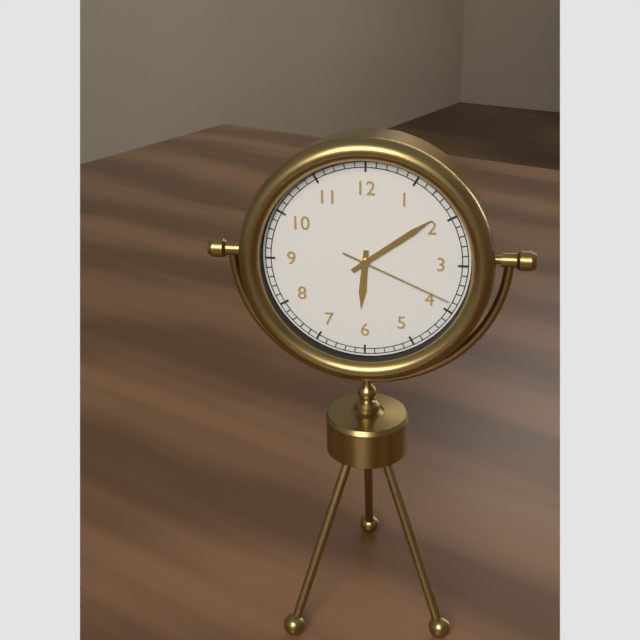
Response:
{"hour": 6, "minute": 9, "second": 19}
